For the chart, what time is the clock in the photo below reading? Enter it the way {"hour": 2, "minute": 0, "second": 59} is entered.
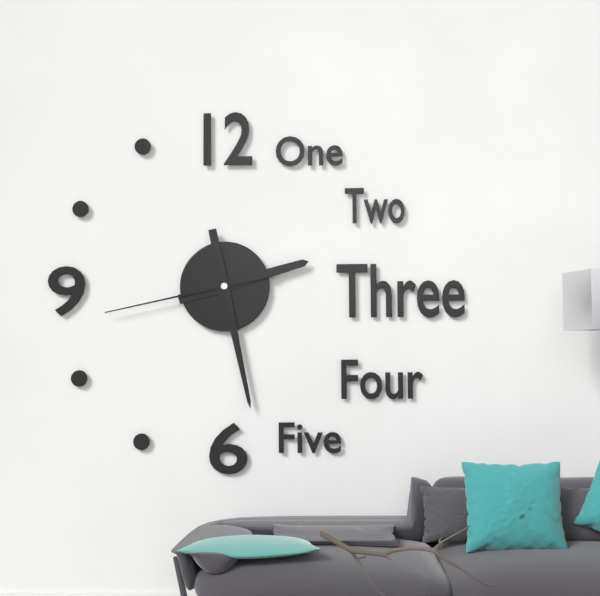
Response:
{"hour": 2, "minute": 28, "second": 43}
